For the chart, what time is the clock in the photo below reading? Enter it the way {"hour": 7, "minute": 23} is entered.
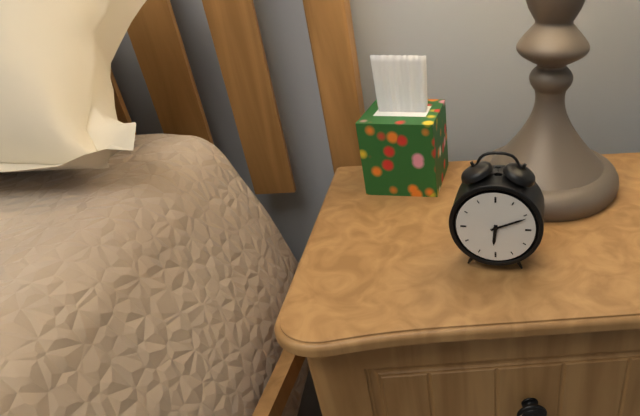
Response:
{"hour": 6, "minute": 11}
